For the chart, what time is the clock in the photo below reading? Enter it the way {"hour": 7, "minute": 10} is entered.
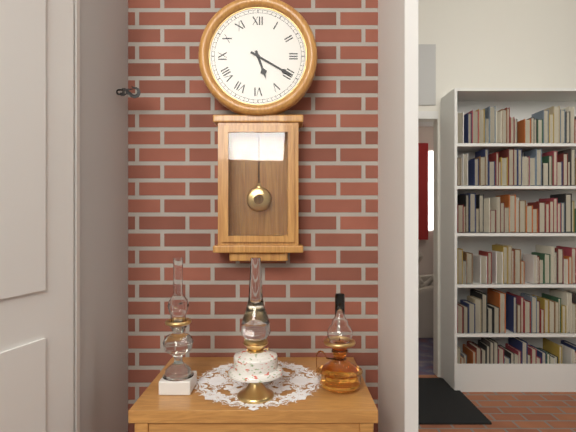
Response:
{"hour": 5, "minute": 20}
